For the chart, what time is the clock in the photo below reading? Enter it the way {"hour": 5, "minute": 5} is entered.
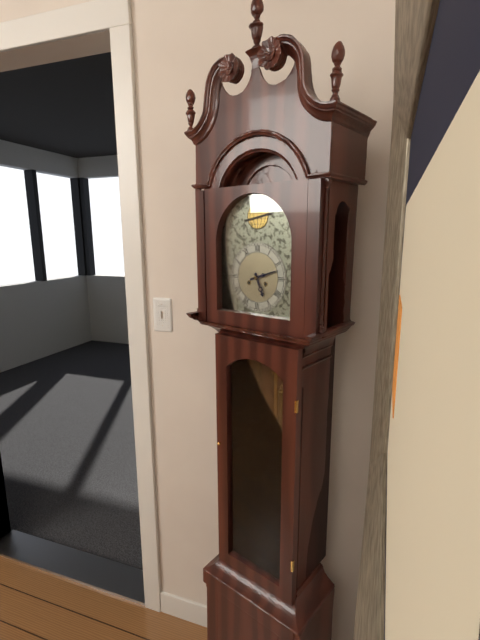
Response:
{"hour": 5, "minute": 12}
